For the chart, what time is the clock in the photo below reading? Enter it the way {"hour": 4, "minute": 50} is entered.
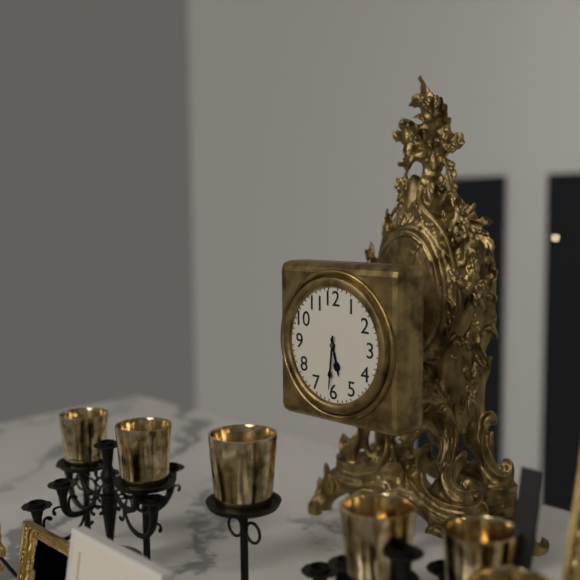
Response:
{"hour": 5, "minute": 31}
